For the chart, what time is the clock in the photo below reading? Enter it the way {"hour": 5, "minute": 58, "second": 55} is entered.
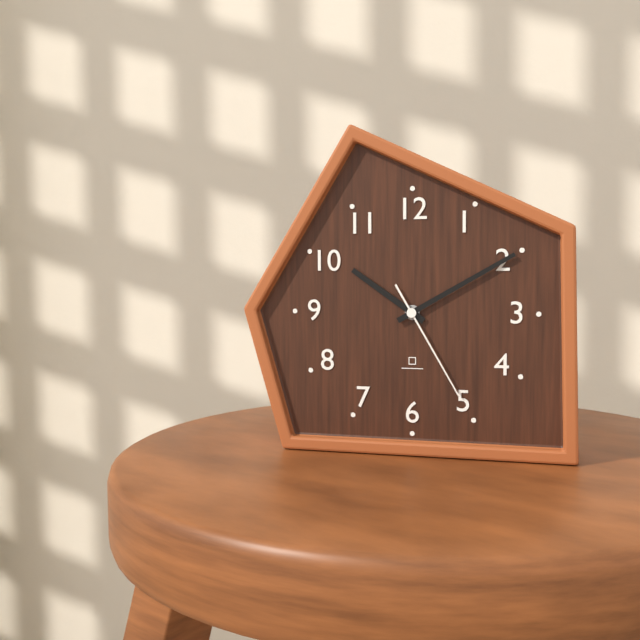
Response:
{"hour": 10, "minute": 10, "second": 25}
